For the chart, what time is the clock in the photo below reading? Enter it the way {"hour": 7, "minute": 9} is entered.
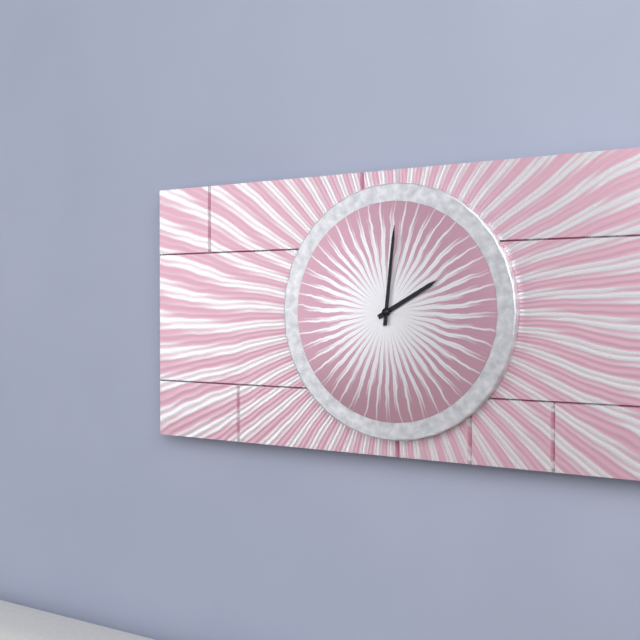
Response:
{"hour": 2, "minute": 1}
